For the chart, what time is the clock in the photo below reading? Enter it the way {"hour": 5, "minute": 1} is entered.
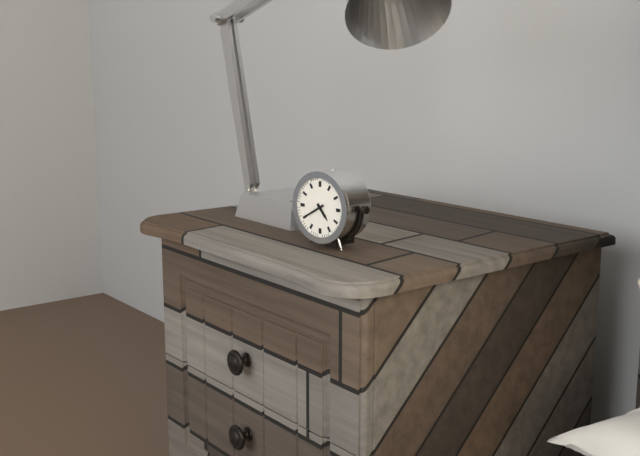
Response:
{"hour": 4, "minute": 40}
